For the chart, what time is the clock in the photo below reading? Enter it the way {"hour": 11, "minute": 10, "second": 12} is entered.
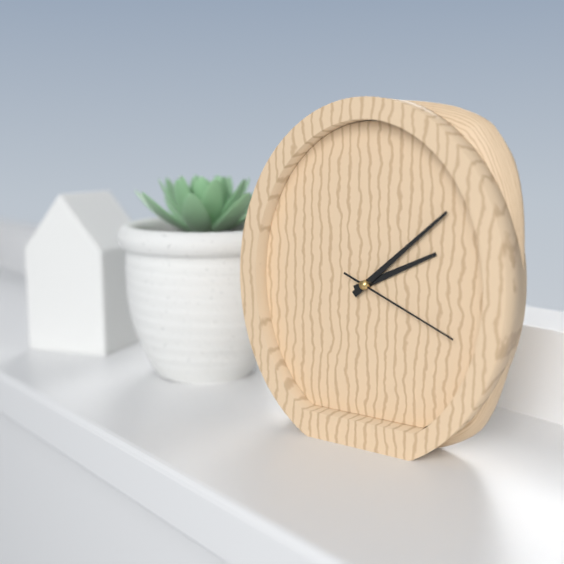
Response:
{"hour": 2, "minute": 8, "second": 19}
